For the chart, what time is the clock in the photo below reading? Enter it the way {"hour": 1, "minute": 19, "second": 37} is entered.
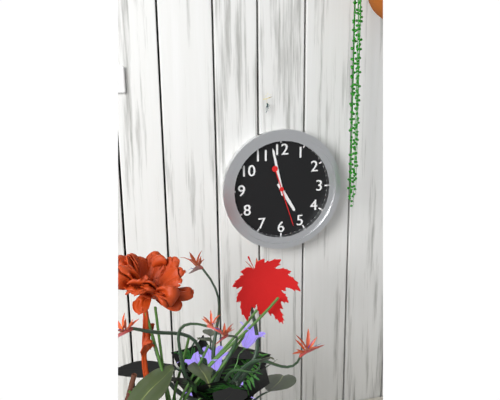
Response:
{"hour": 4, "minute": 58, "second": 27}
